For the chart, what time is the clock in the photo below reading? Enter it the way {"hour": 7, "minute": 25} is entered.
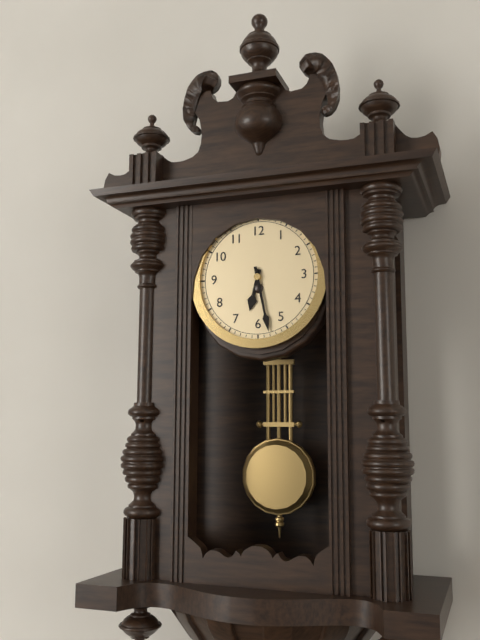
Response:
{"hour": 6, "minute": 28}
